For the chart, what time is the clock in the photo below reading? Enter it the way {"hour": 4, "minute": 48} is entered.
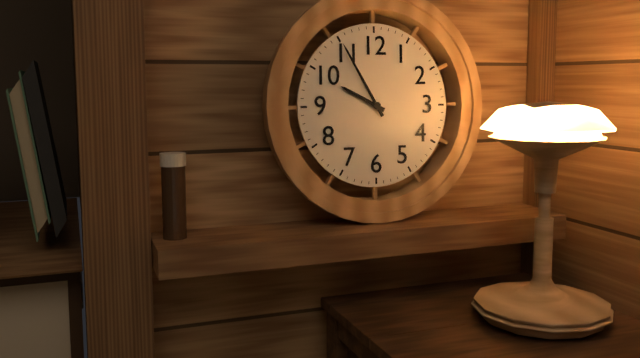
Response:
{"hour": 9, "minute": 55}
